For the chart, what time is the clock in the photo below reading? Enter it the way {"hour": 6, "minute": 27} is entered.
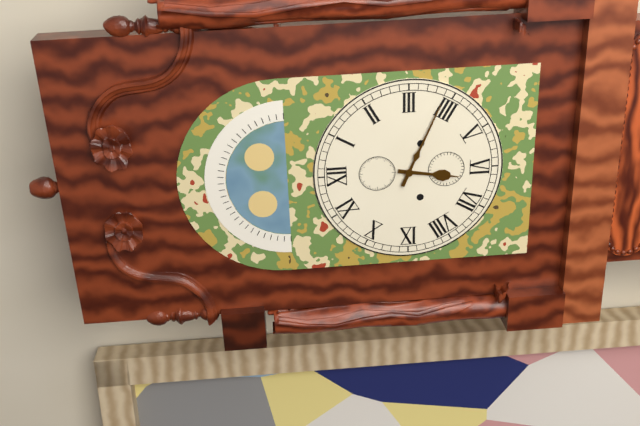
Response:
{"hour": 6, "minute": 19}
